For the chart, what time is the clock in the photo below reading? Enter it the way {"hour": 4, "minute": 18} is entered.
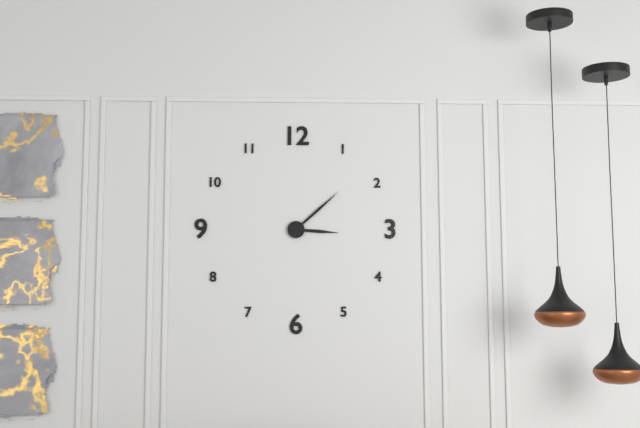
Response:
{"hour": 3, "minute": 8}
